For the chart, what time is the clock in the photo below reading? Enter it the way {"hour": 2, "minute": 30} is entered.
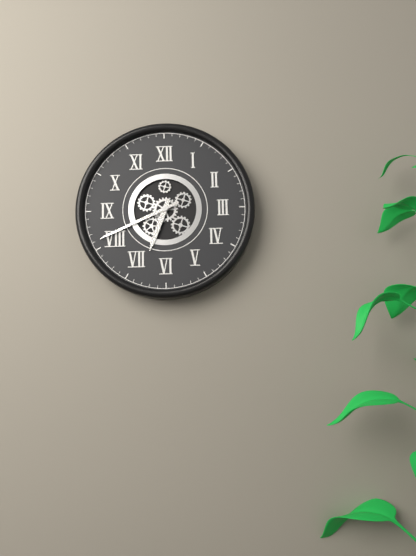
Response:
{"hour": 6, "minute": 41}
